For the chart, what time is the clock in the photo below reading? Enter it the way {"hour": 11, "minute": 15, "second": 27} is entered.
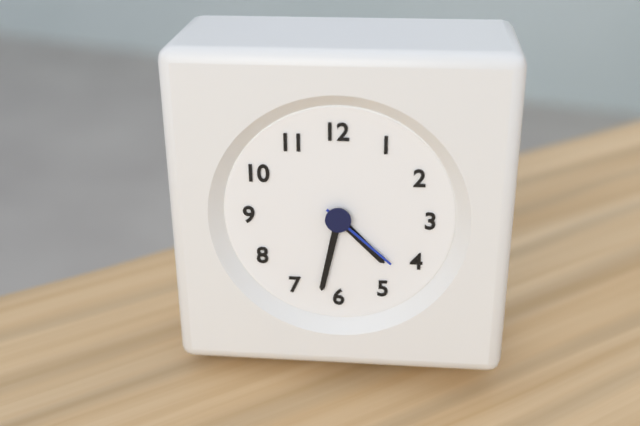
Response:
{"hour": 4, "minute": 32, "second": 22}
